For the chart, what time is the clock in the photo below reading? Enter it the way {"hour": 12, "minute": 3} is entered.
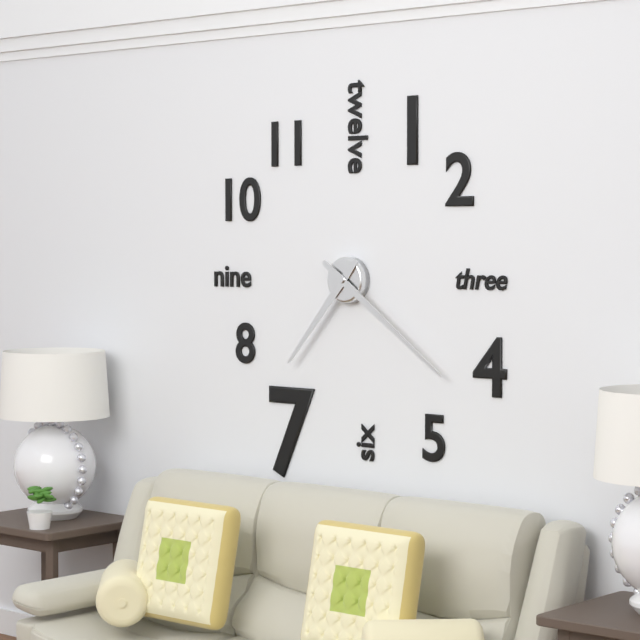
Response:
{"hour": 7, "minute": 21}
